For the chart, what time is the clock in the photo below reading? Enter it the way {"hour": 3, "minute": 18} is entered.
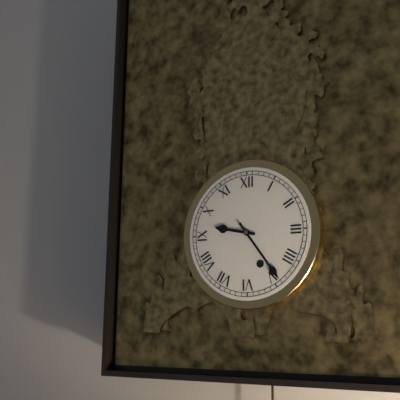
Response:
{"hour": 9, "minute": 24}
